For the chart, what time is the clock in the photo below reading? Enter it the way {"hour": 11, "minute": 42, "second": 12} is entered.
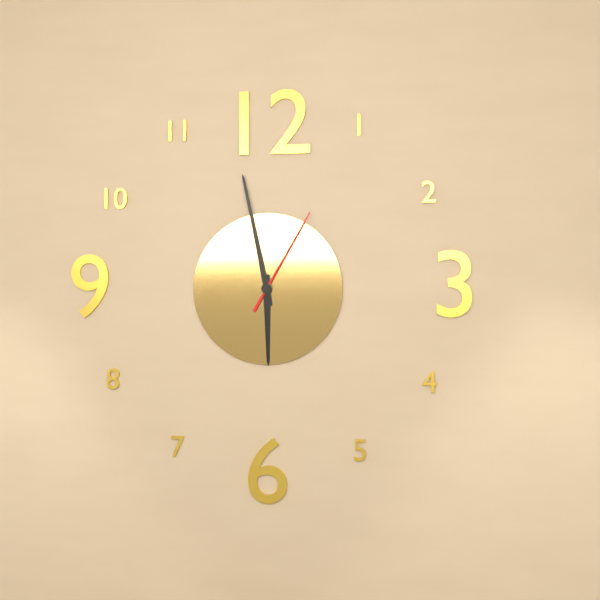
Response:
{"hour": 5, "minute": 58, "second": 5}
